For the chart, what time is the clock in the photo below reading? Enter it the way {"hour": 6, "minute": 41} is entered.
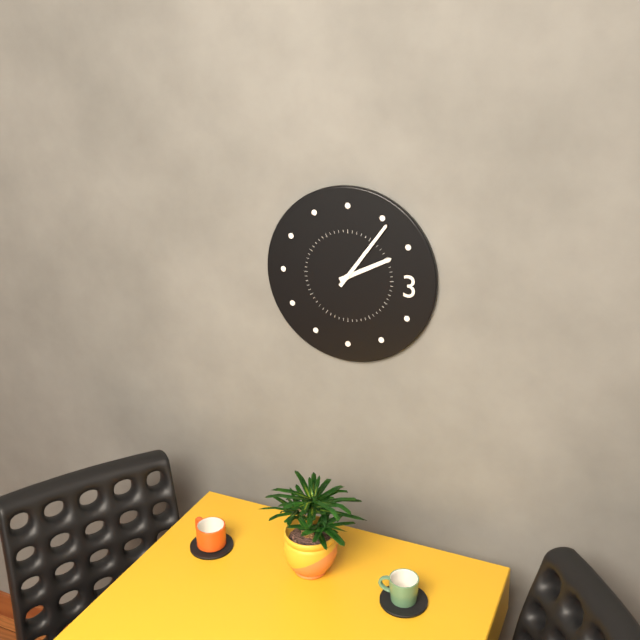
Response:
{"hour": 2, "minute": 6}
